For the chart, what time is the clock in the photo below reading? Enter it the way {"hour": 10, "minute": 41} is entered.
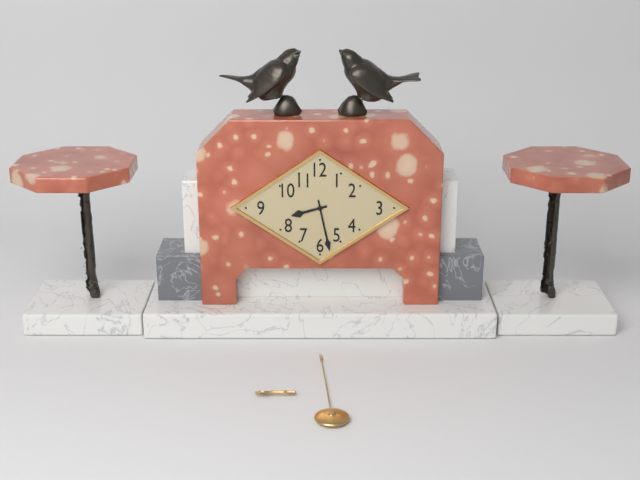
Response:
{"hour": 8, "minute": 28}
